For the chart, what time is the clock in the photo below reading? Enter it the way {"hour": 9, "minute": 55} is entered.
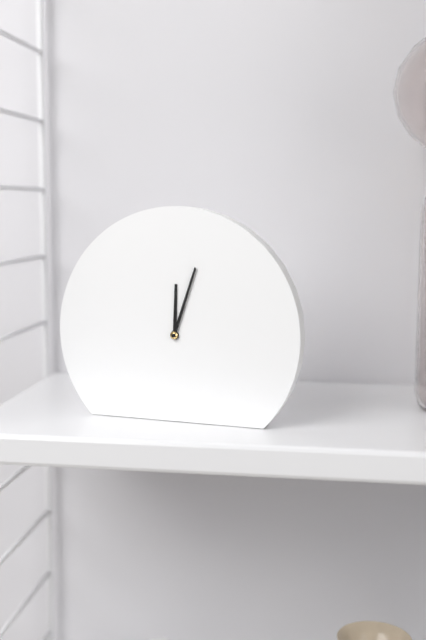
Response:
{"hour": 12, "minute": 3}
